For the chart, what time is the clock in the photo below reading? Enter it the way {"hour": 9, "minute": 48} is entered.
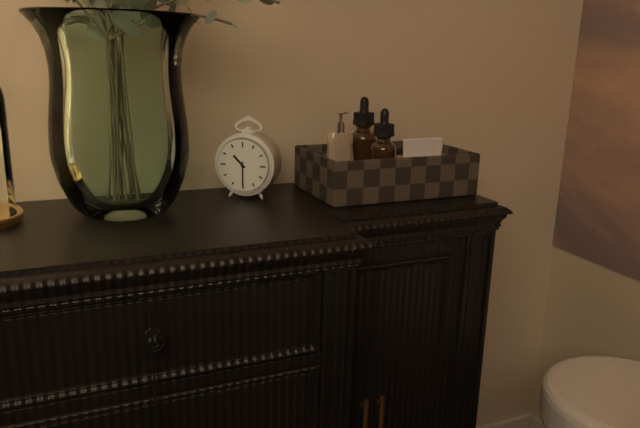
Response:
{"hour": 10, "minute": 30}
